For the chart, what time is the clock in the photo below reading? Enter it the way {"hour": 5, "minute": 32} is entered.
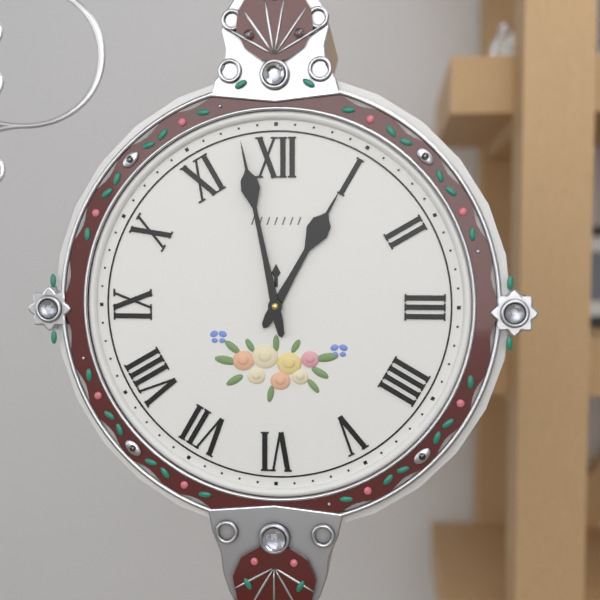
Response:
{"hour": 12, "minute": 58}
